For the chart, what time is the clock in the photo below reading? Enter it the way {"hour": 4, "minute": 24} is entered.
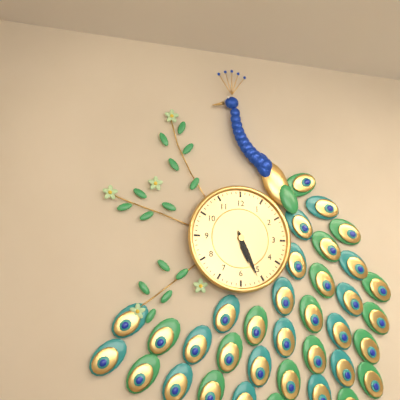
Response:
{"hour": 5, "minute": 26}
